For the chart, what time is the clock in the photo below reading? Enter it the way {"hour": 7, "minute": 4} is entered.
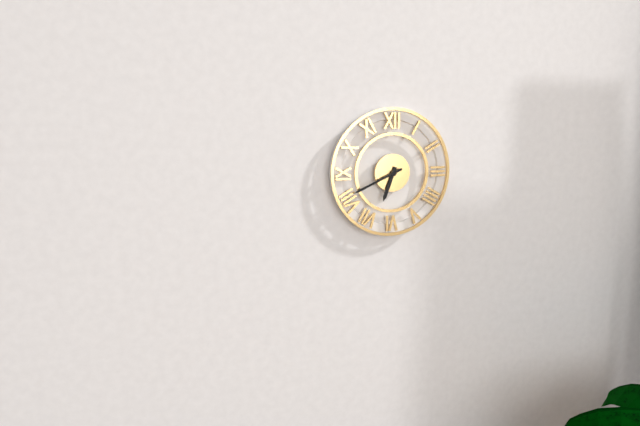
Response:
{"hour": 6, "minute": 41}
